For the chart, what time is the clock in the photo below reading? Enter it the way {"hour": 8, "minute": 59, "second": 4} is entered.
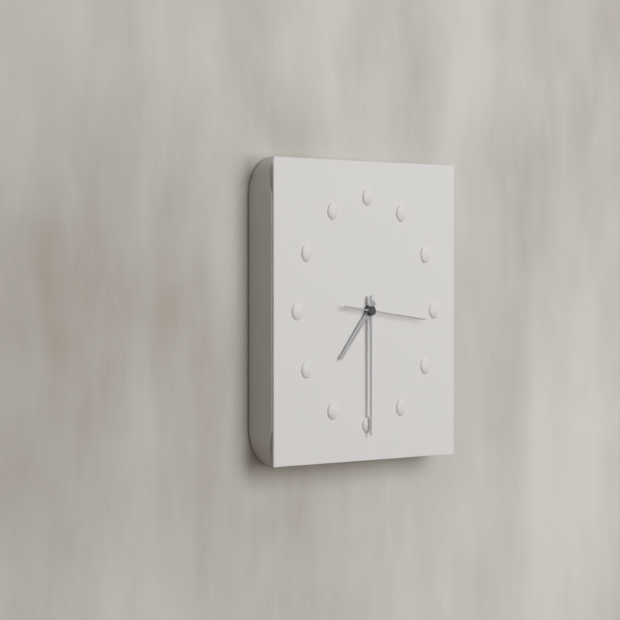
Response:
{"hour": 7, "minute": 30, "second": 16}
